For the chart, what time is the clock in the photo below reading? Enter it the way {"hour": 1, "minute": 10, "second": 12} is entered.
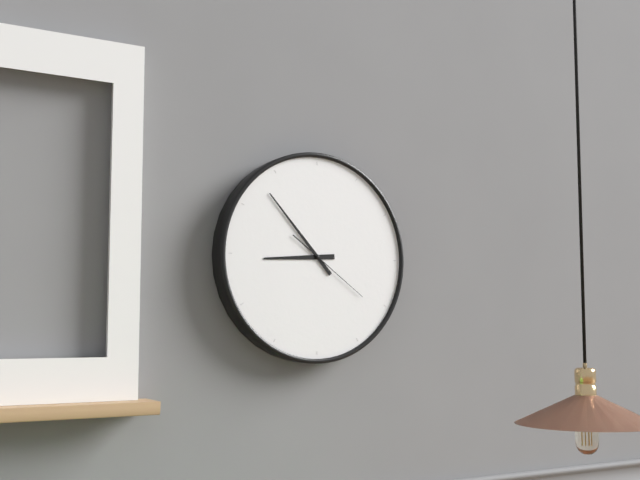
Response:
{"hour": 8, "minute": 53, "second": 21}
